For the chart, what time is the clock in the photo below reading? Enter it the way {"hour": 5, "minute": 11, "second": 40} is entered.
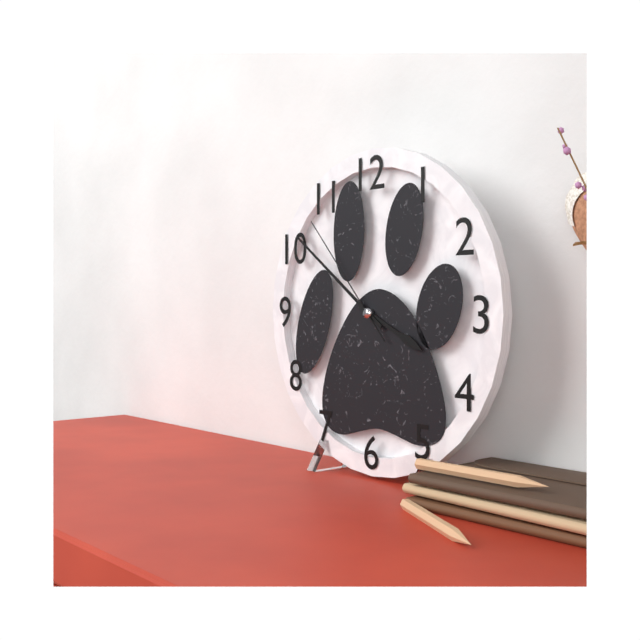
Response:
{"hour": 3, "minute": 51, "second": 53}
